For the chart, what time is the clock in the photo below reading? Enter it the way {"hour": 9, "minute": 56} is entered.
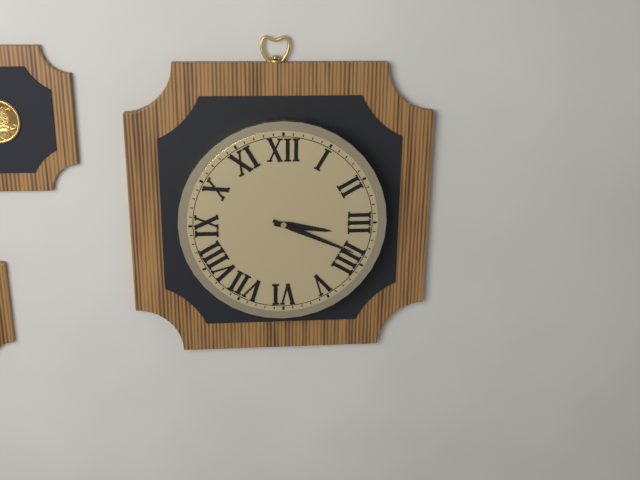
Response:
{"hour": 3, "minute": 19}
